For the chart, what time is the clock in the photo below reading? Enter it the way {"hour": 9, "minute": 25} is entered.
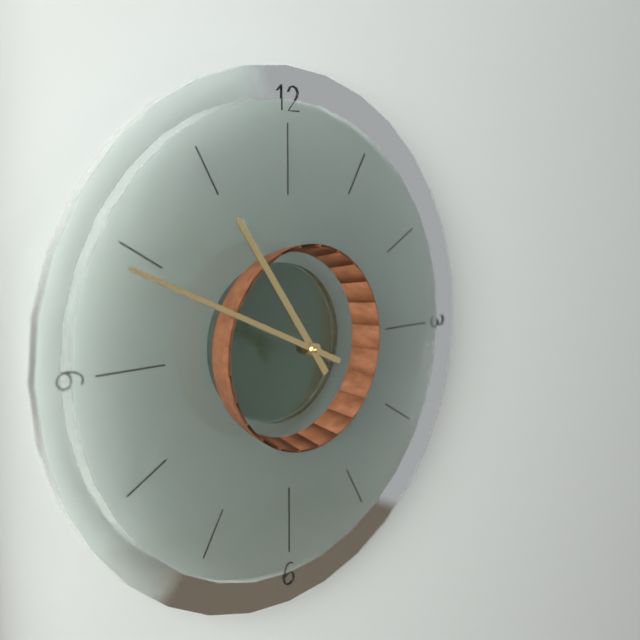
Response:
{"hour": 10, "minute": 49}
